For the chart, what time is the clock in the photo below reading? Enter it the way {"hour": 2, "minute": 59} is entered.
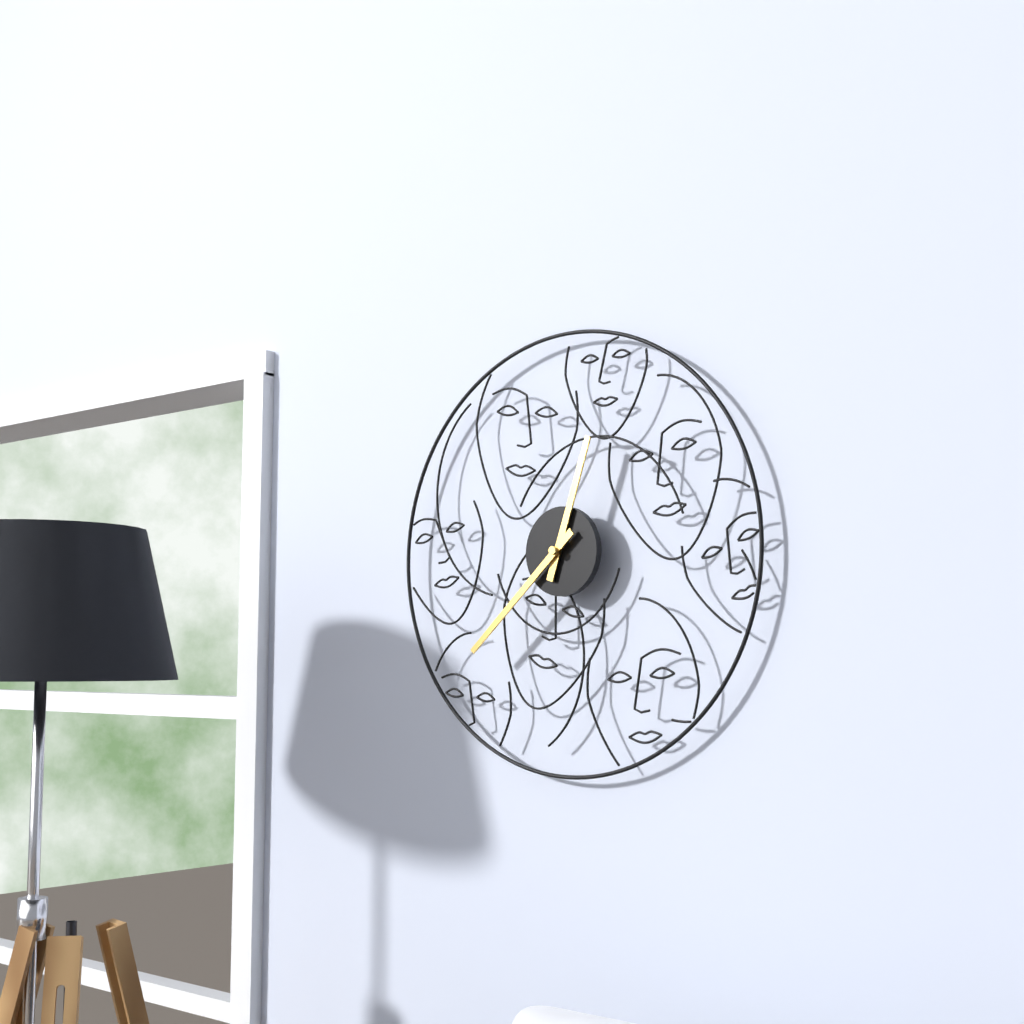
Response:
{"hour": 12, "minute": 38}
